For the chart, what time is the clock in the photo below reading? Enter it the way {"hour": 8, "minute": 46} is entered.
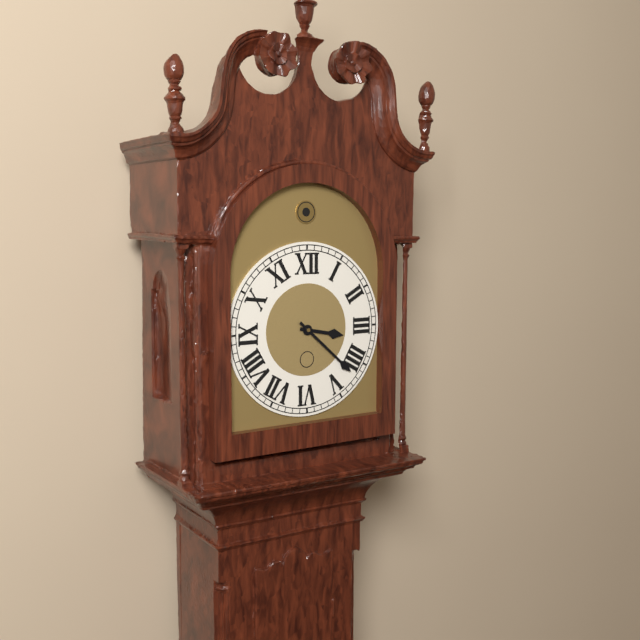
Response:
{"hour": 3, "minute": 22}
